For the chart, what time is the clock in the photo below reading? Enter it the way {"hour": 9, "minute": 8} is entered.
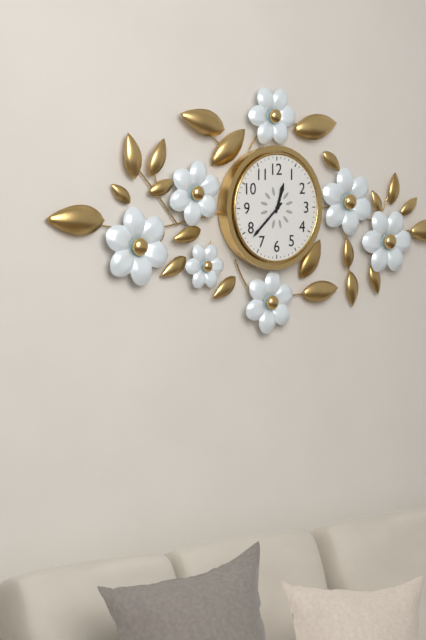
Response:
{"hour": 12, "minute": 38}
